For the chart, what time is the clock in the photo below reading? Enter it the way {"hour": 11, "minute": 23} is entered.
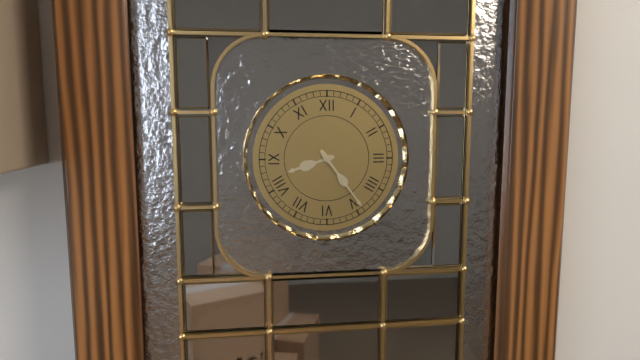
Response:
{"hour": 8, "minute": 24}
